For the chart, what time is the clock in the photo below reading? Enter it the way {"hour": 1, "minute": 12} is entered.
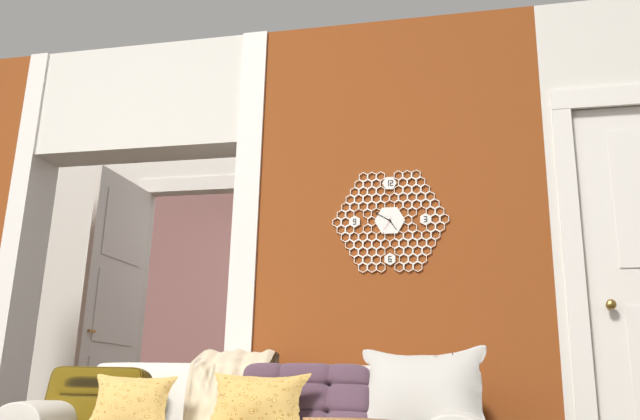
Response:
{"hour": 4, "minute": 50}
